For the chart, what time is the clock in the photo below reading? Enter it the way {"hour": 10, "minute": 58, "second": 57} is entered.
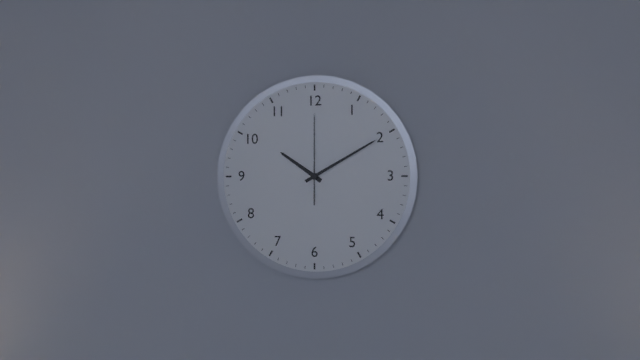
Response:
{"hour": 10, "minute": 10, "second": 0}
